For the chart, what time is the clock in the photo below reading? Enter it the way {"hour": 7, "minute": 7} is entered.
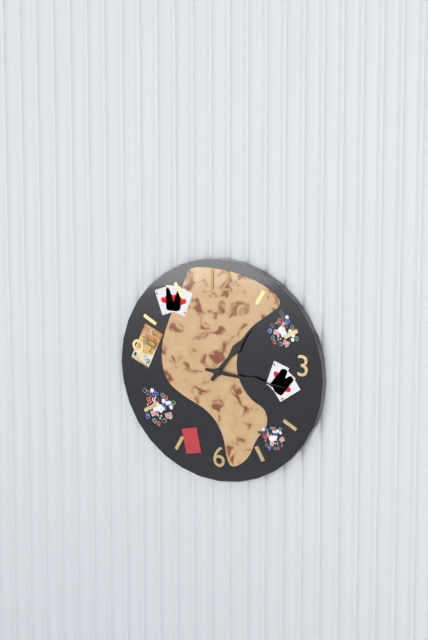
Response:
{"hour": 1, "minute": 16}
